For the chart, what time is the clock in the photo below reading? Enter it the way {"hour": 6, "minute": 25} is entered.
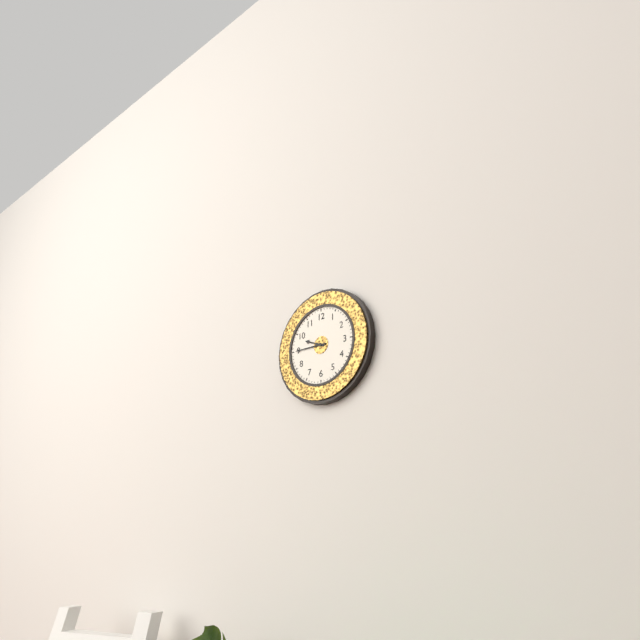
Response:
{"hour": 9, "minute": 45}
